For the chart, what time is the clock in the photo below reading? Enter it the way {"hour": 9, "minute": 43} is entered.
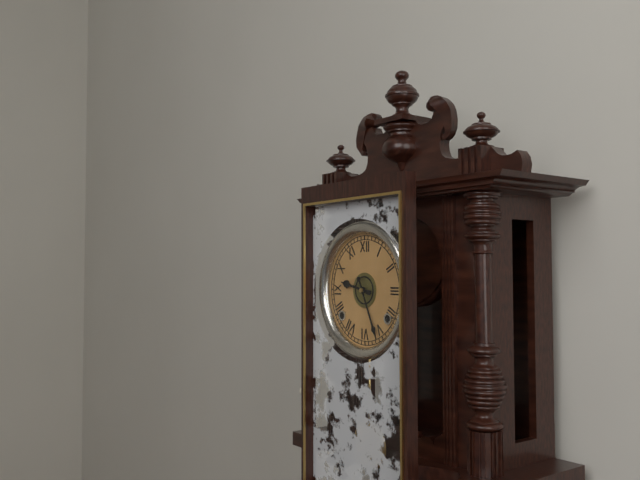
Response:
{"hour": 9, "minute": 26}
